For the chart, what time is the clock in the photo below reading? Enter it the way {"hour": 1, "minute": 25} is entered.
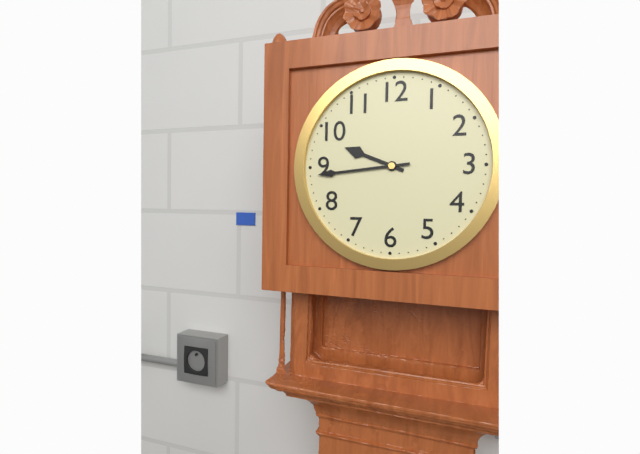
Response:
{"hour": 9, "minute": 44}
